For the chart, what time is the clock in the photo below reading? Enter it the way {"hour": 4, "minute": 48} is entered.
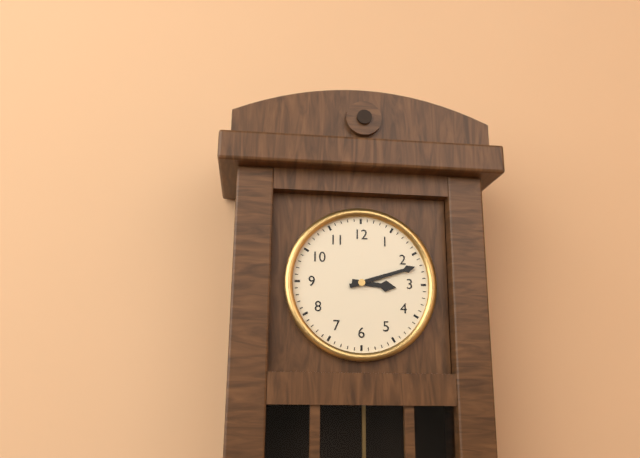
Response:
{"hour": 3, "minute": 12}
